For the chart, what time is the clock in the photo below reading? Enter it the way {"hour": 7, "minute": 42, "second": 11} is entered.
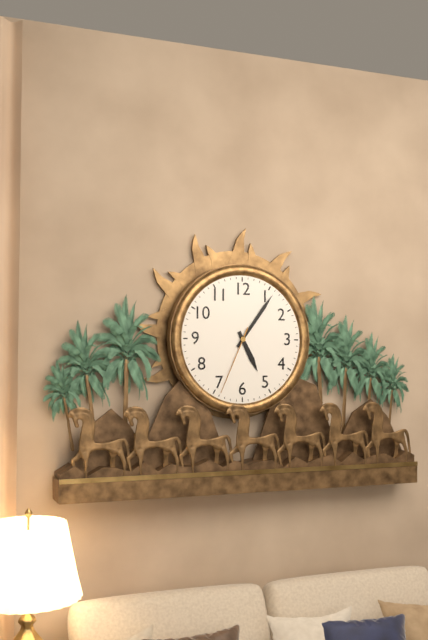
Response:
{"hour": 5, "minute": 6, "second": 34}
